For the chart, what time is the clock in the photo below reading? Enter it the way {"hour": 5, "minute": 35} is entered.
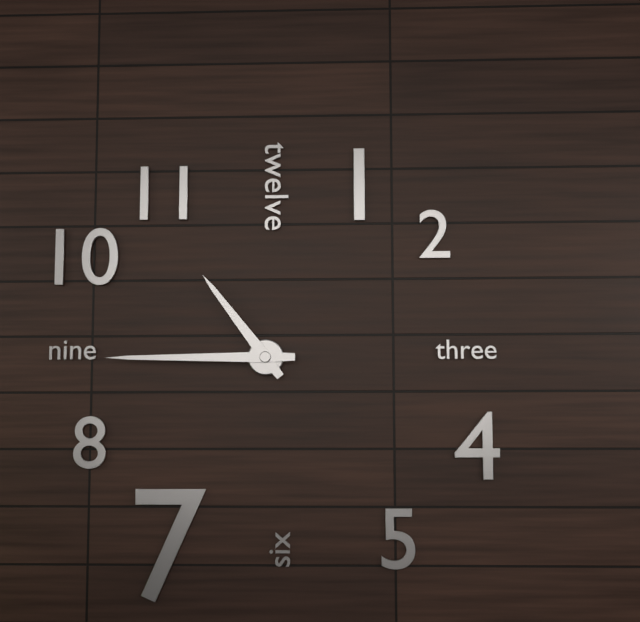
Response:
{"hour": 10, "minute": 45}
